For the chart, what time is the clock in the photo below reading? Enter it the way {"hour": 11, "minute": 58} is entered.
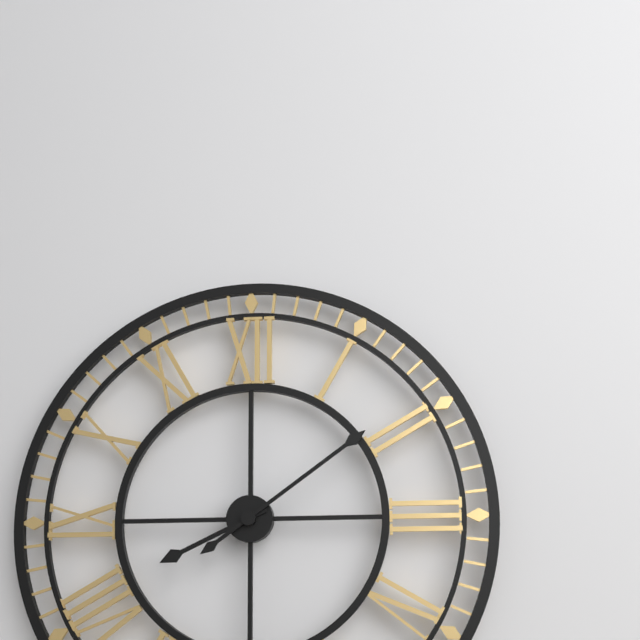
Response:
{"hour": 8, "minute": 9}
